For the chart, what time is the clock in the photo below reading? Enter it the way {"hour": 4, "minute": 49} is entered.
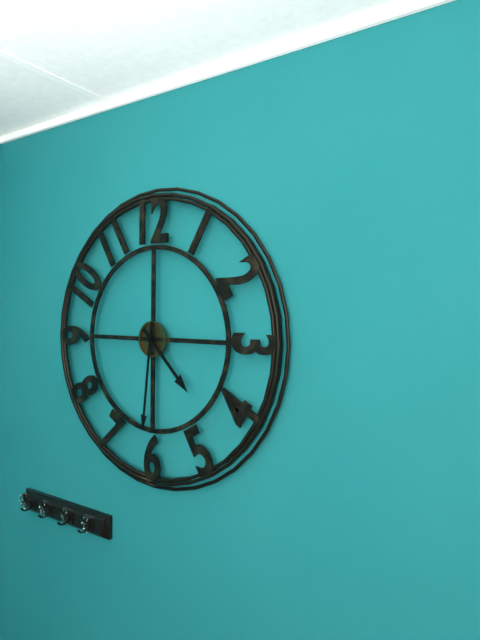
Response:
{"hour": 4, "minute": 31}
